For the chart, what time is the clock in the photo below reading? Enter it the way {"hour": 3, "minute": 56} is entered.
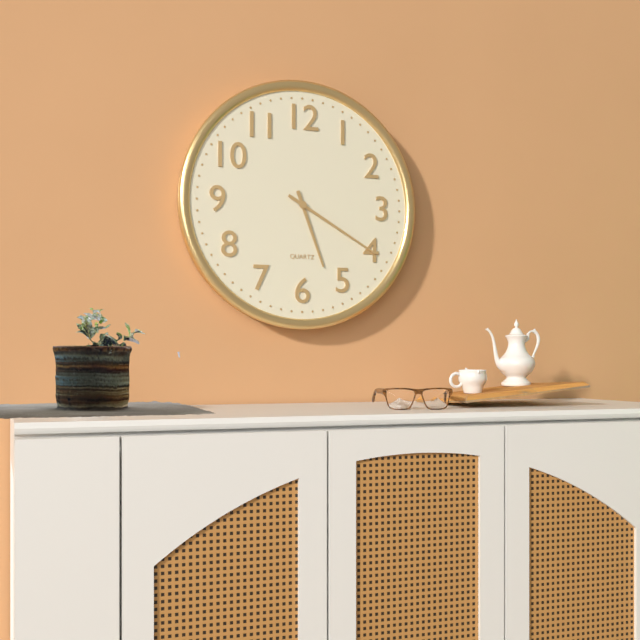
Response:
{"hour": 5, "minute": 20}
